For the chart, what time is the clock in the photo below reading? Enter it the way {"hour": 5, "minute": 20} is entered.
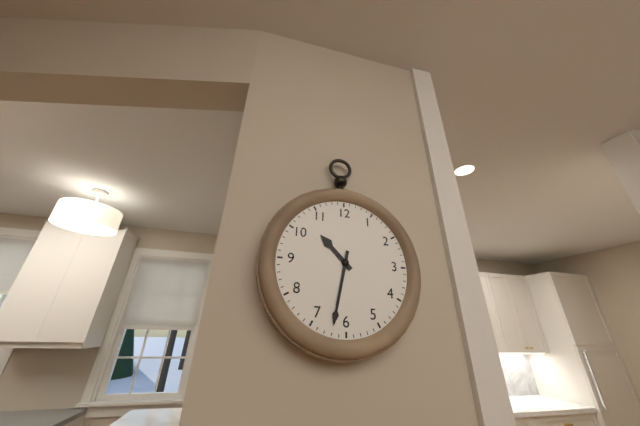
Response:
{"hour": 10, "minute": 32}
